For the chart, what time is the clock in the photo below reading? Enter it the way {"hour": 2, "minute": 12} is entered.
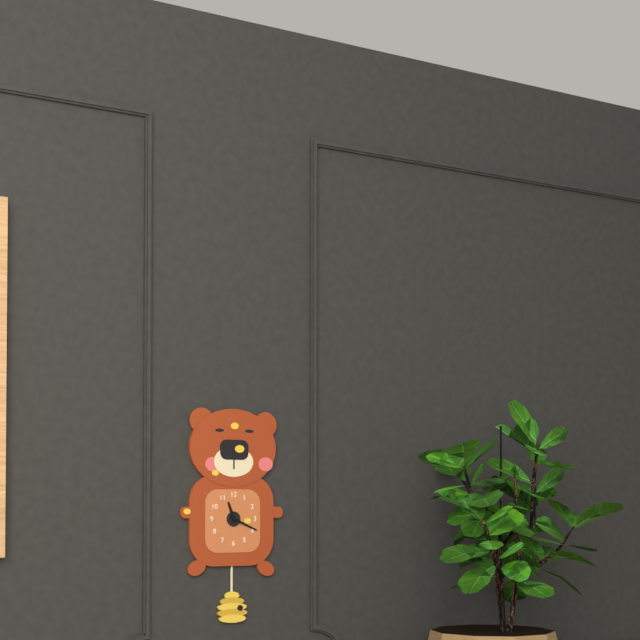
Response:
{"hour": 11, "minute": 19}
